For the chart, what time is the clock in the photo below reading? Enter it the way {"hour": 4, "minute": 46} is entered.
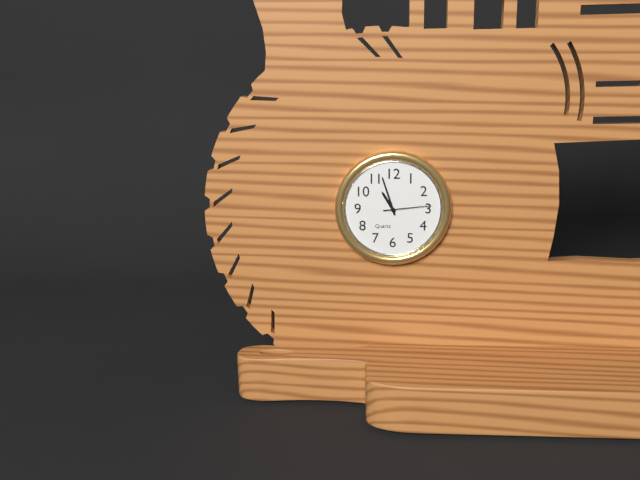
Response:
{"hour": 10, "minute": 57}
